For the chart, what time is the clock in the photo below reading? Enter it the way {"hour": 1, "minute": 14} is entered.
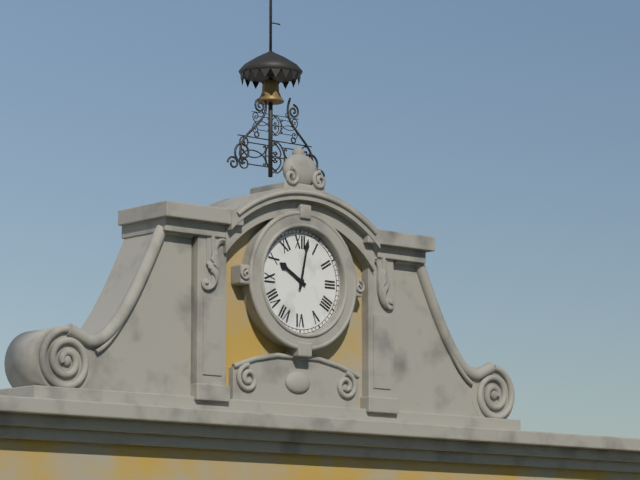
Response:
{"hour": 10, "minute": 2}
